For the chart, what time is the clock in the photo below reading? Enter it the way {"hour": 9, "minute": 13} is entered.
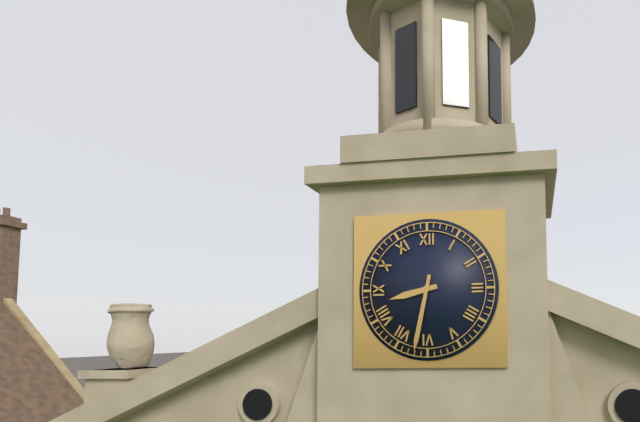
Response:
{"hour": 8, "minute": 32}
